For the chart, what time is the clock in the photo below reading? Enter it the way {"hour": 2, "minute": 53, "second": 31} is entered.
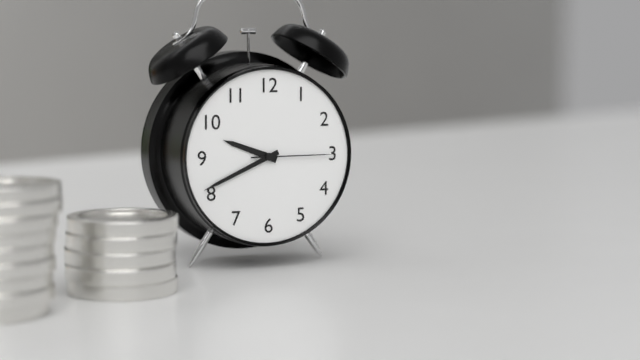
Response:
{"hour": 9, "minute": 41, "second": 15}
